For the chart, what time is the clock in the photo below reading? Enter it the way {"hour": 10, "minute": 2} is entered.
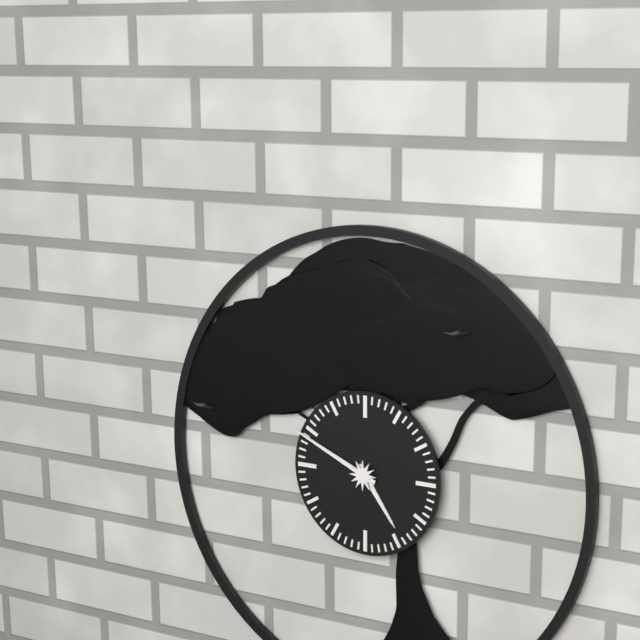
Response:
{"hour": 4, "minute": 49}
